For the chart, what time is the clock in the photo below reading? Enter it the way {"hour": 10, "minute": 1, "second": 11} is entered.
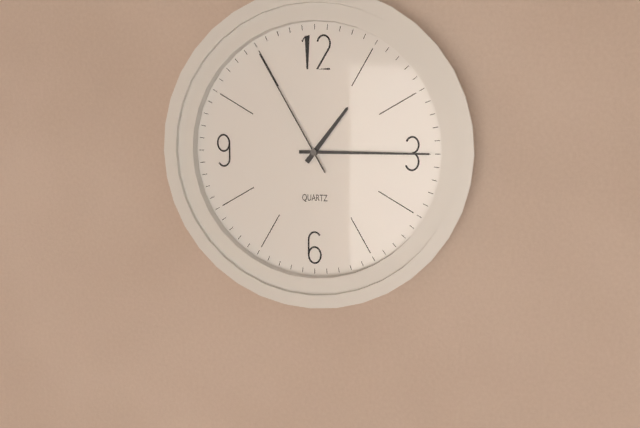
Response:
{"hour": 1, "minute": 15, "second": 55}
